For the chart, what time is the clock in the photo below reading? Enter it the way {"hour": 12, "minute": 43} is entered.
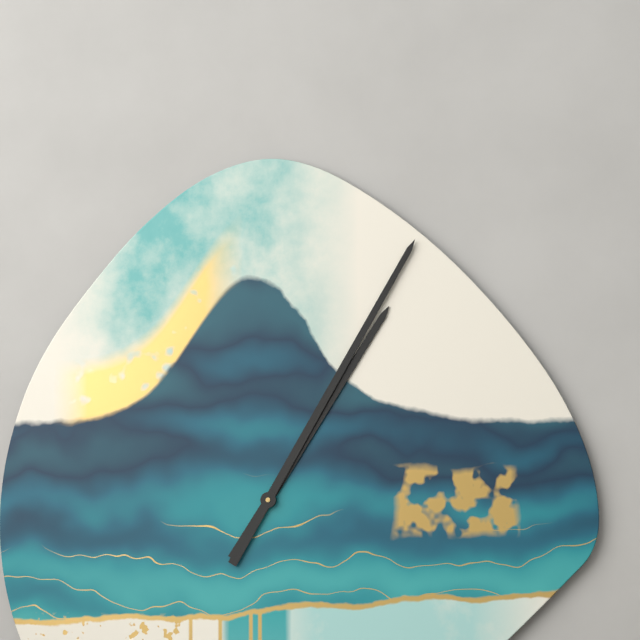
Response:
{"hour": 1, "minute": 5}
